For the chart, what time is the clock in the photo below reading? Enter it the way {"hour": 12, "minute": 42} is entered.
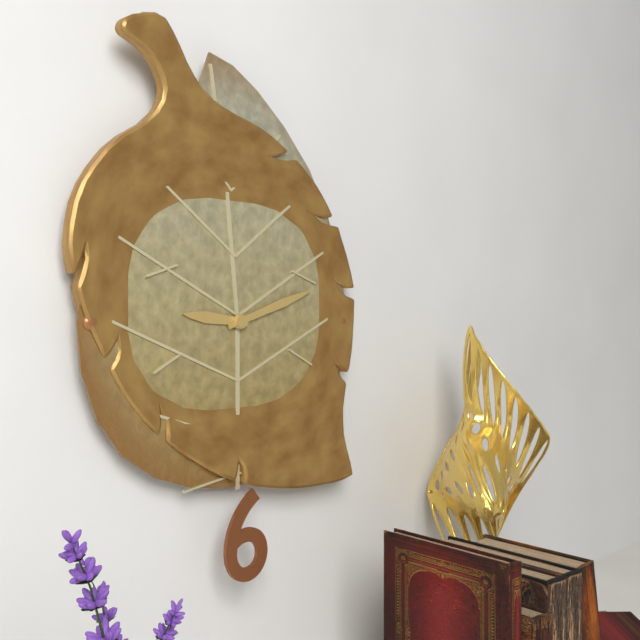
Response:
{"hour": 9, "minute": 12}
